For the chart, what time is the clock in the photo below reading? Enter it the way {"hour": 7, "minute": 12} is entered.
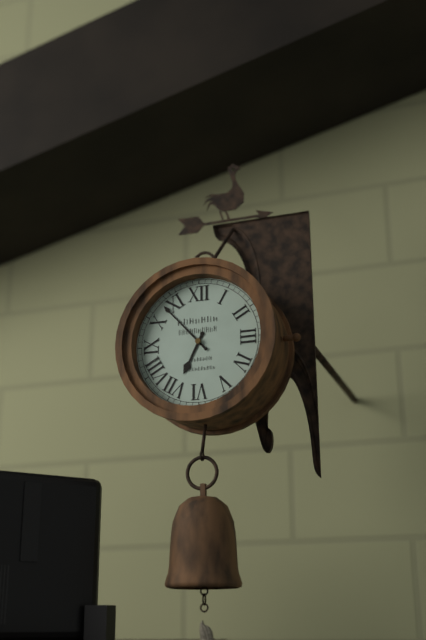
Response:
{"hour": 6, "minute": 53}
